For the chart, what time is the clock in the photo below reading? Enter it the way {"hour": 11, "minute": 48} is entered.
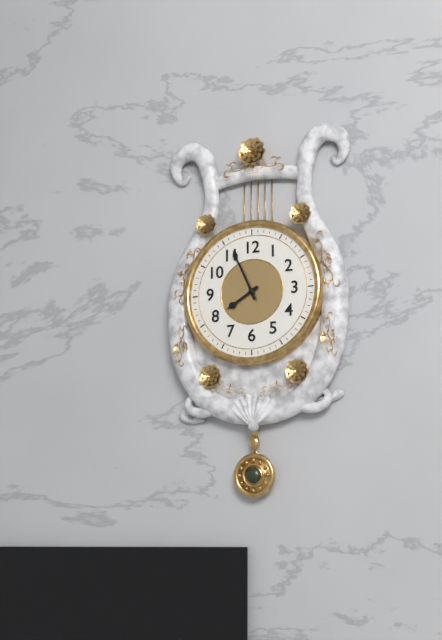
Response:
{"hour": 7, "minute": 56}
